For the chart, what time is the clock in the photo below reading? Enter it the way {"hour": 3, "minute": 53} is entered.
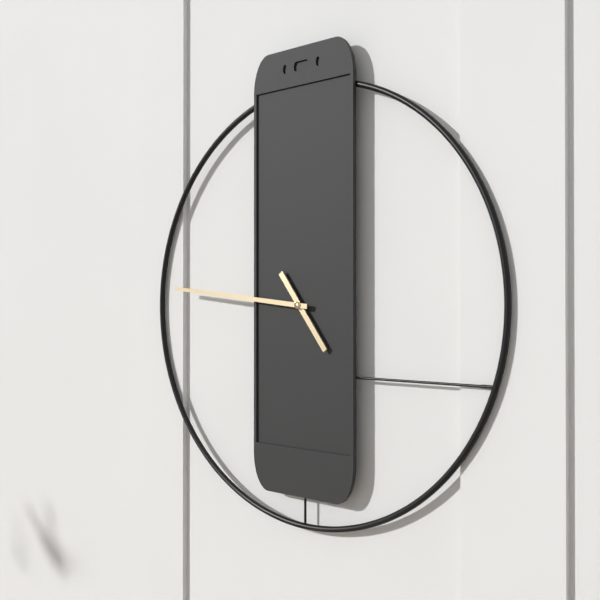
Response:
{"hour": 4, "minute": 46}
